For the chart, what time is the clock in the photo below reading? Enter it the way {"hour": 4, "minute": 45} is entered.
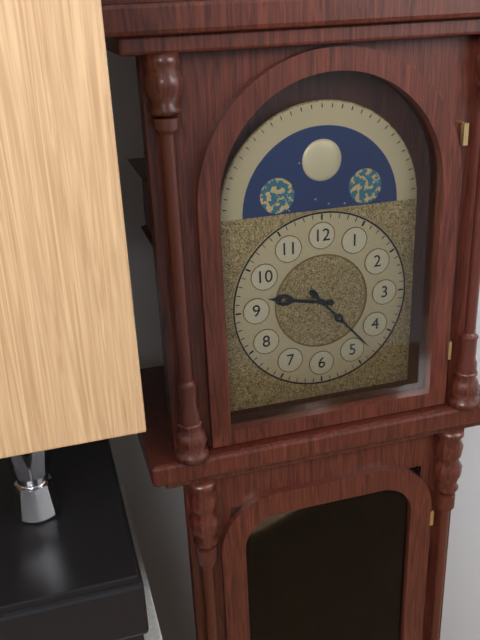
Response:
{"hour": 9, "minute": 23}
